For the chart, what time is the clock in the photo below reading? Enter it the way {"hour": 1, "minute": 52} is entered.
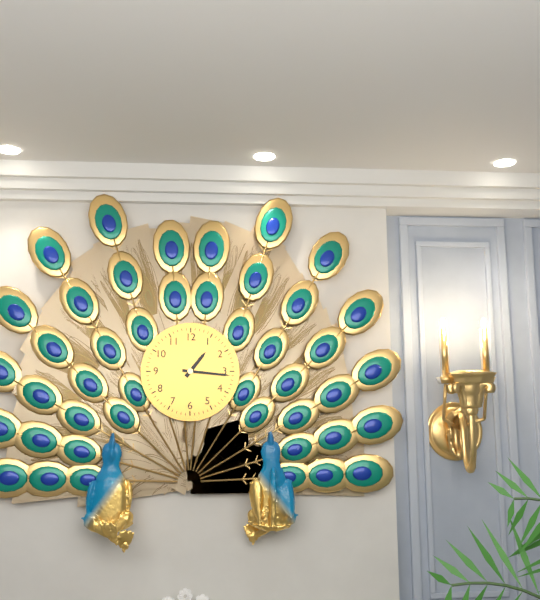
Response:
{"hour": 1, "minute": 16}
